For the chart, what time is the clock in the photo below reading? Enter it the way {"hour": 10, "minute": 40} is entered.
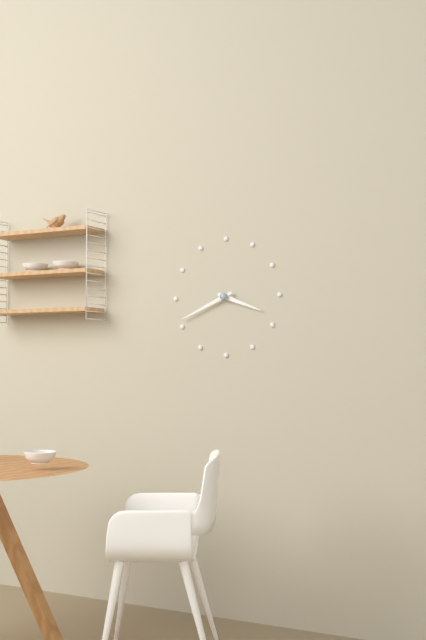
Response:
{"hour": 3, "minute": 41}
